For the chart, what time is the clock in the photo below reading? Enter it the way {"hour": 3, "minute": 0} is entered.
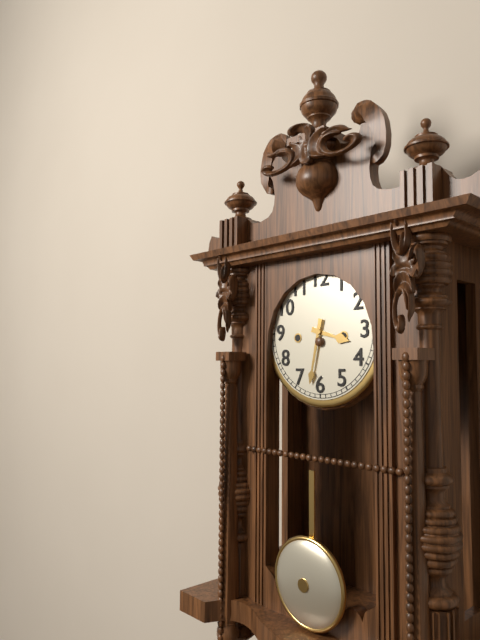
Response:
{"hour": 3, "minute": 32}
